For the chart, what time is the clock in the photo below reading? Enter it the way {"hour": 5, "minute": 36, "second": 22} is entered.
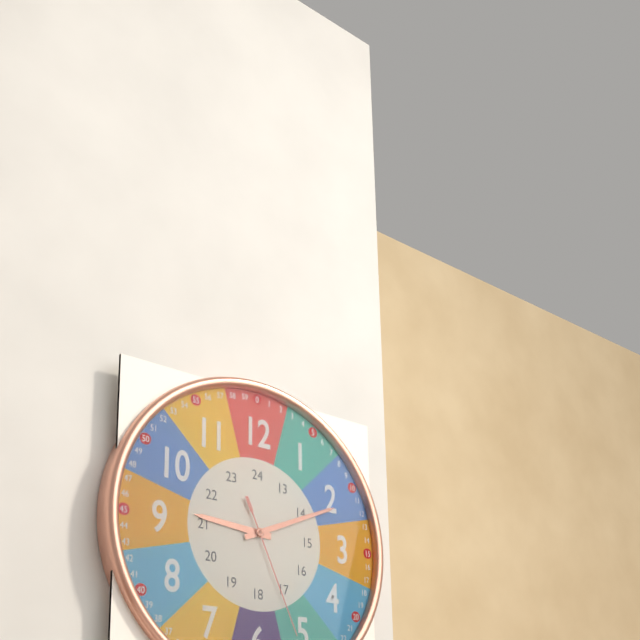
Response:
{"hour": 9, "minute": 11, "second": 26}
